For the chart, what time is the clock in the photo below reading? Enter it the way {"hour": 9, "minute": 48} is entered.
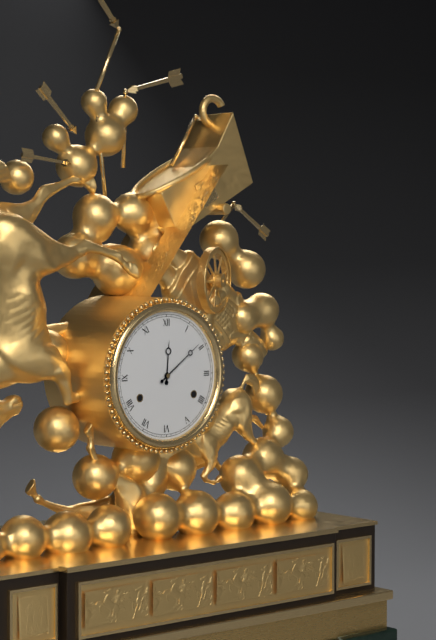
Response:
{"hour": 12, "minute": 9}
